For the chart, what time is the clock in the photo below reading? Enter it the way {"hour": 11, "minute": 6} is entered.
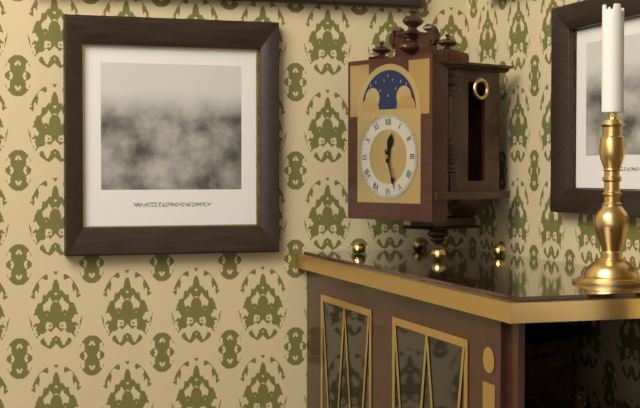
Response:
{"hour": 12, "minute": 27}
